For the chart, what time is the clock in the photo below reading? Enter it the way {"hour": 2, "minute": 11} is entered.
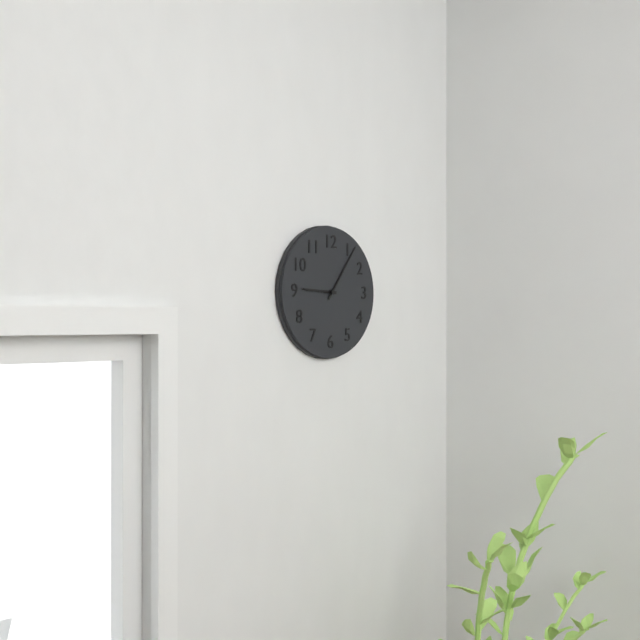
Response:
{"hour": 9, "minute": 6}
